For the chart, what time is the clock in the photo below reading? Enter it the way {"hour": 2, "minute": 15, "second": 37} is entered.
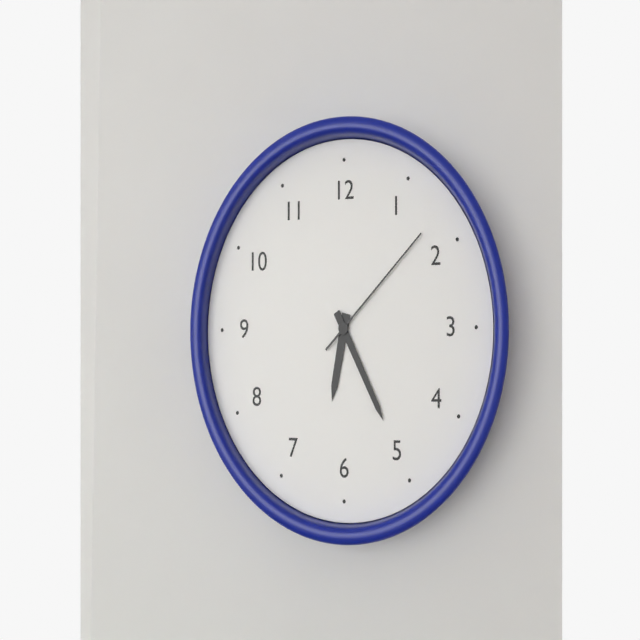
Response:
{"hour": 6, "minute": 25, "second": 8}
